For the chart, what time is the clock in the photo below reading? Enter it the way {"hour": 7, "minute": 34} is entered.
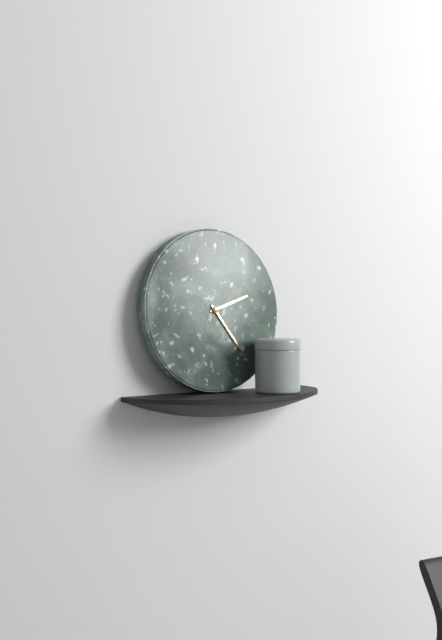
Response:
{"hour": 2, "minute": 24}
